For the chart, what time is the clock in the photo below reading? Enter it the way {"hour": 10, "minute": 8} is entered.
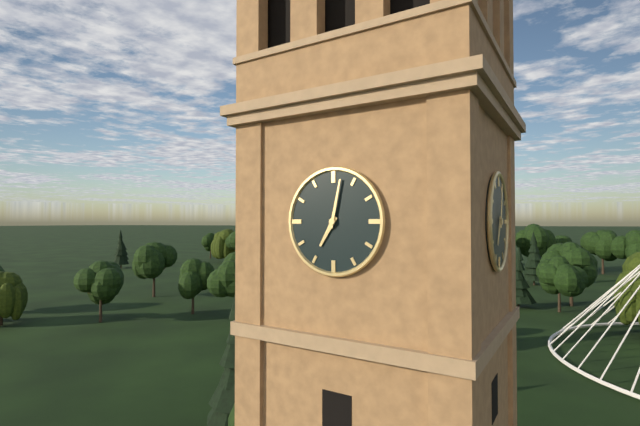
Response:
{"hour": 7, "minute": 2}
